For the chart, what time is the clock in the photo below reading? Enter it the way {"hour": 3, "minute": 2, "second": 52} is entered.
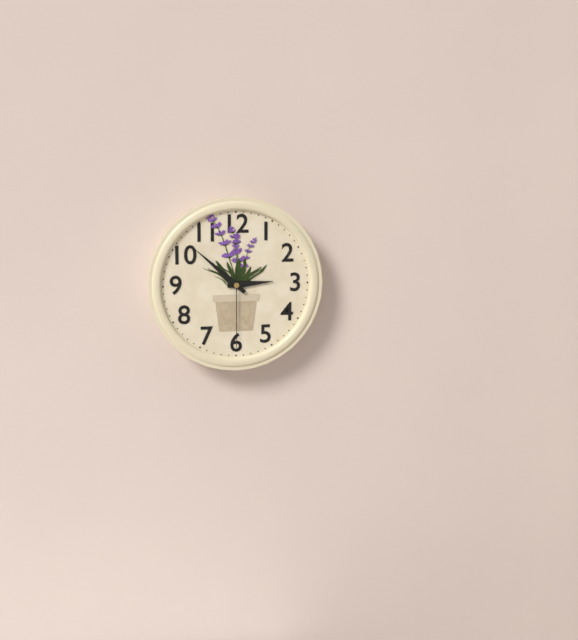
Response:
{"hour": 2, "minute": 52, "second": 30}
